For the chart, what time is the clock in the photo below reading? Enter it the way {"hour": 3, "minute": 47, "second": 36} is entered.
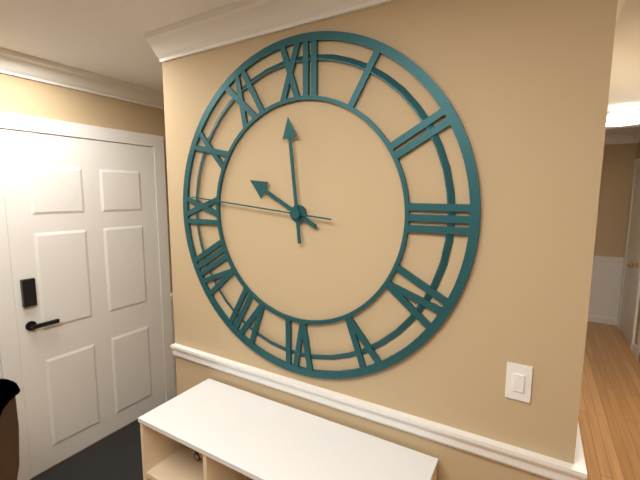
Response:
{"hour": 9, "minute": 59, "second": 46}
